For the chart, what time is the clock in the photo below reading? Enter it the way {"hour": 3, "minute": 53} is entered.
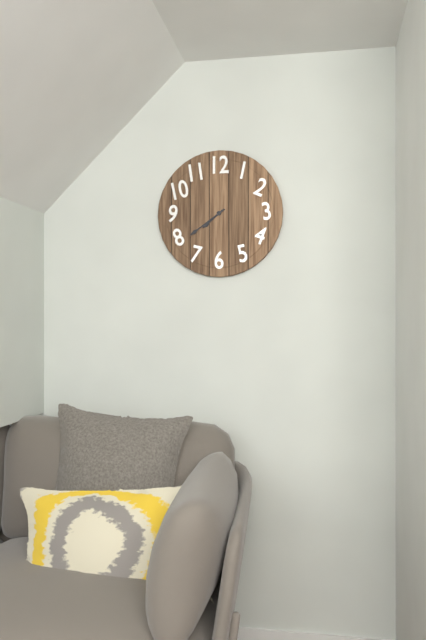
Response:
{"hour": 7, "minute": 39}
